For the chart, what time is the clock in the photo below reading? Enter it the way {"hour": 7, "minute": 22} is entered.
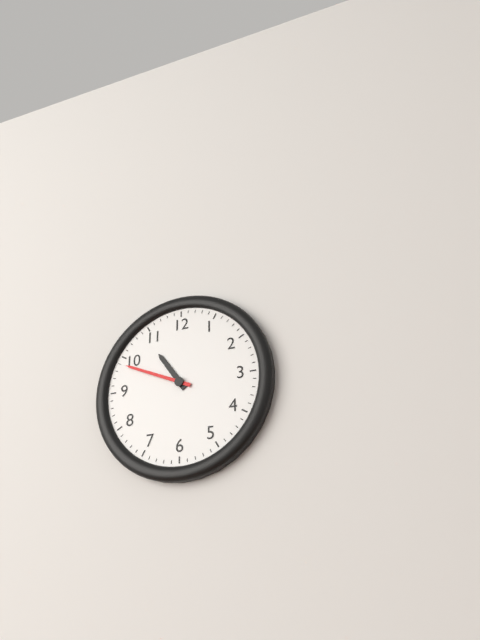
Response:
{"hour": 10, "minute": 49}
